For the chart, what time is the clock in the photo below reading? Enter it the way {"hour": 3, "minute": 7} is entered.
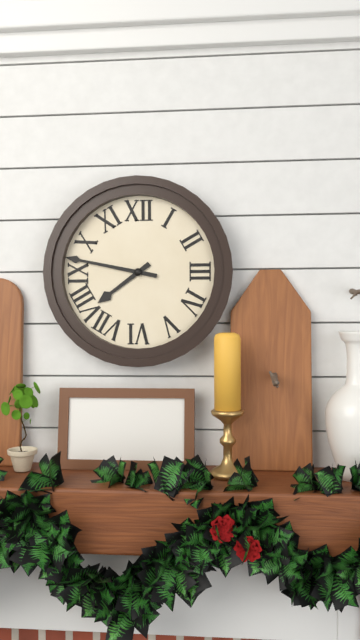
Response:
{"hour": 7, "minute": 47}
